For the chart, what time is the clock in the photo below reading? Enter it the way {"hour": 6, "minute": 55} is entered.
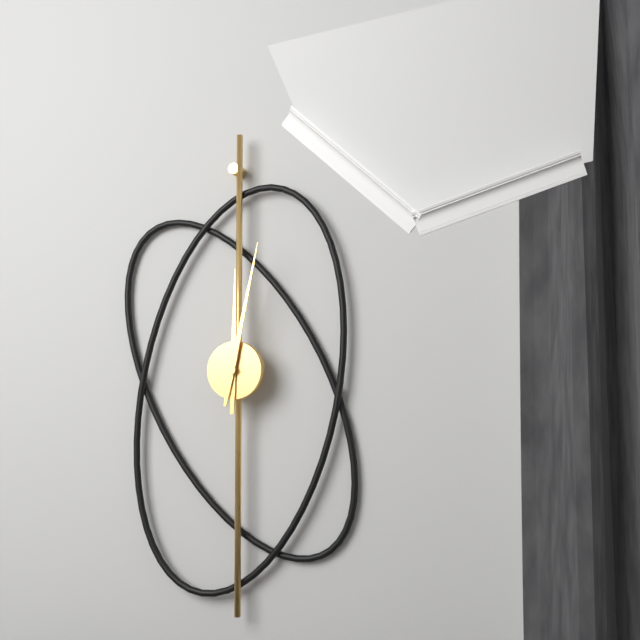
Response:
{"hour": 12, "minute": 2}
